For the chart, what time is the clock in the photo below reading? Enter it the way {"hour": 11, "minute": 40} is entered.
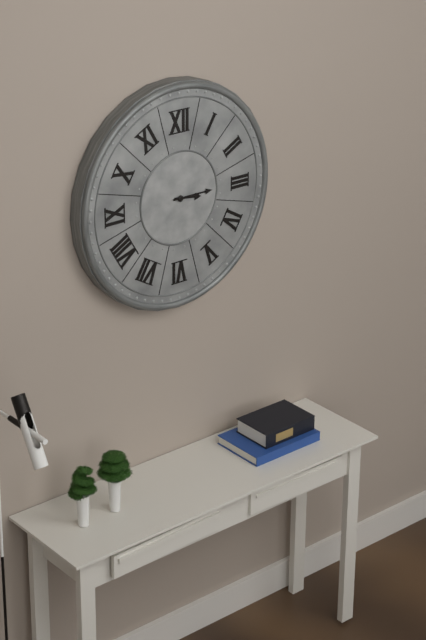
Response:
{"hour": 3, "minute": 15}
